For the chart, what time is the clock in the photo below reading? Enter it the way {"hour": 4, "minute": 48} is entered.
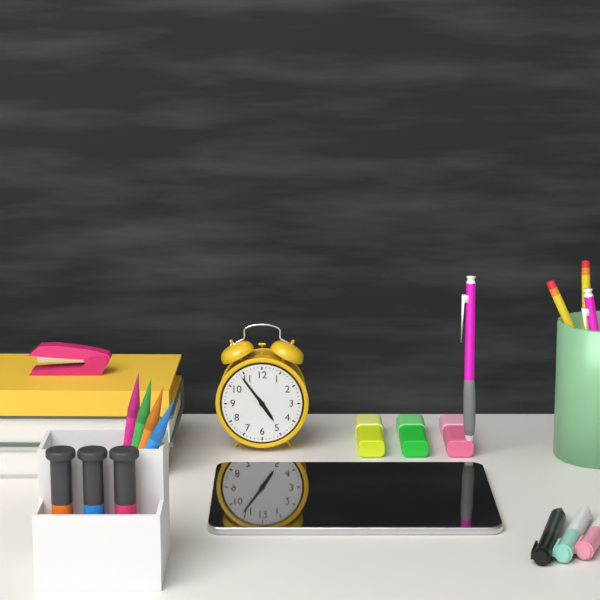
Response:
{"hour": 4, "minute": 54}
